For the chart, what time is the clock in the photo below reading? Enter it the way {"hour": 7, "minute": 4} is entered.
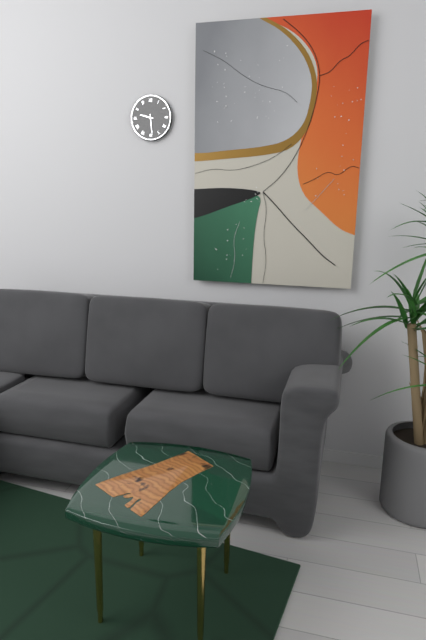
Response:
{"hour": 9, "minute": 29}
